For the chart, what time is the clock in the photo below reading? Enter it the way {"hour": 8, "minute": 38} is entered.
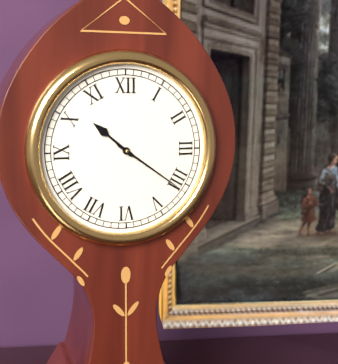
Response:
{"hour": 10, "minute": 21}
